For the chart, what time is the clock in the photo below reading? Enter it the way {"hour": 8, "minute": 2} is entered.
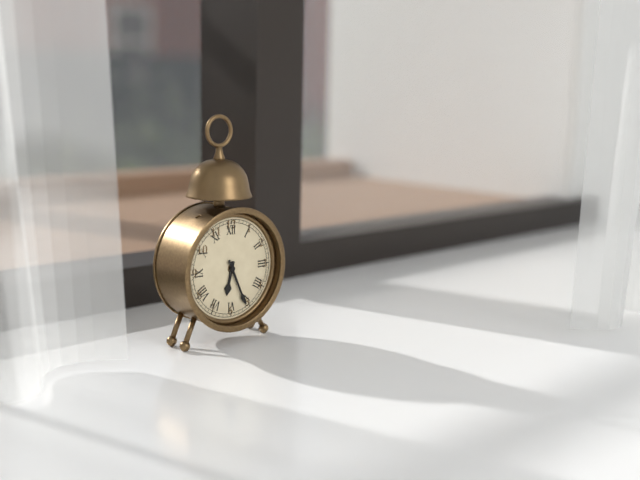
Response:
{"hour": 6, "minute": 26}
